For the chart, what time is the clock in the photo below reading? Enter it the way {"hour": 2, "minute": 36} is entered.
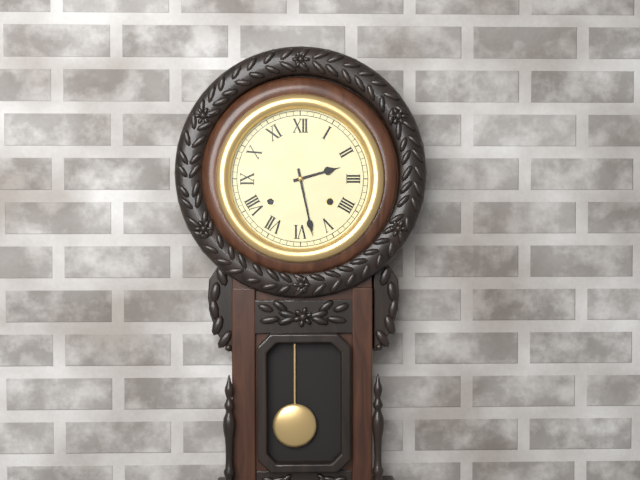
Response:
{"hour": 2, "minute": 28}
